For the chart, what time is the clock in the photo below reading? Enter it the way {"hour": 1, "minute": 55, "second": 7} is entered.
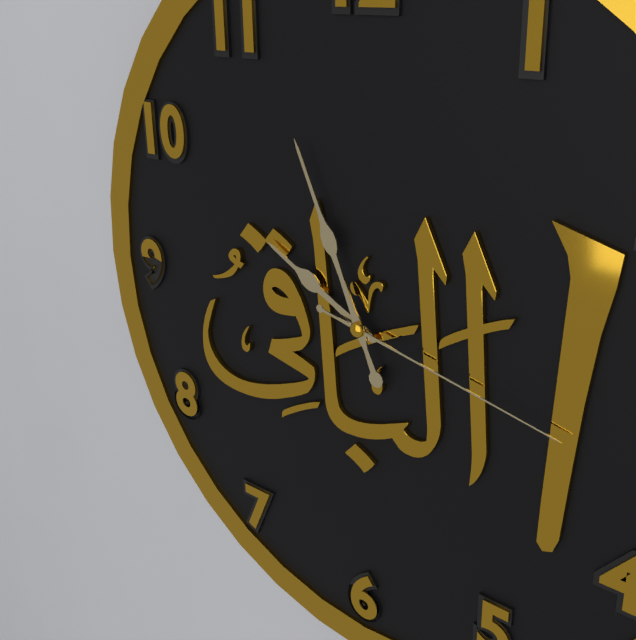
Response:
{"hour": 9, "minute": 56, "second": 17}
